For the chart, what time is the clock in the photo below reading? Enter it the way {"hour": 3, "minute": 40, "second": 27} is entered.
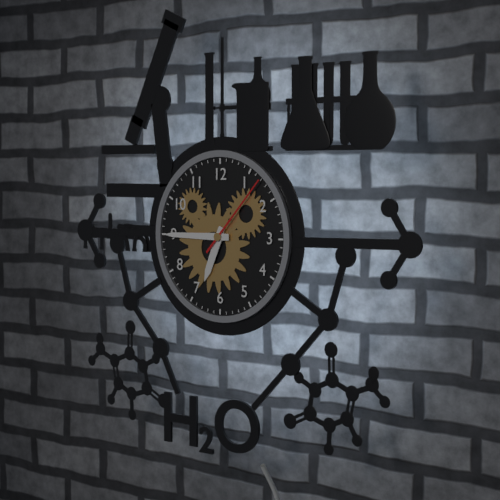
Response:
{"hour": 6, "minute": 45, "second": 7}
